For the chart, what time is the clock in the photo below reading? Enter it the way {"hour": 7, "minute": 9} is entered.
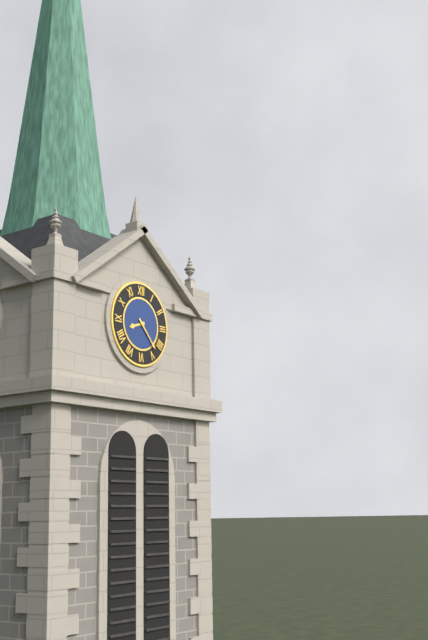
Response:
{"hour": 8, "minute": 23}
